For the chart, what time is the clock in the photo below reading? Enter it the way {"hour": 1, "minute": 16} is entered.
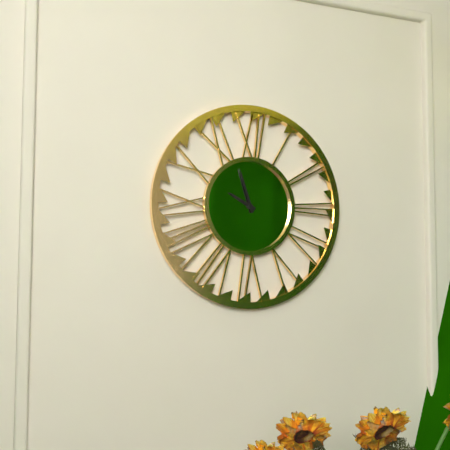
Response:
{"hour": 9, "minute": 57}
